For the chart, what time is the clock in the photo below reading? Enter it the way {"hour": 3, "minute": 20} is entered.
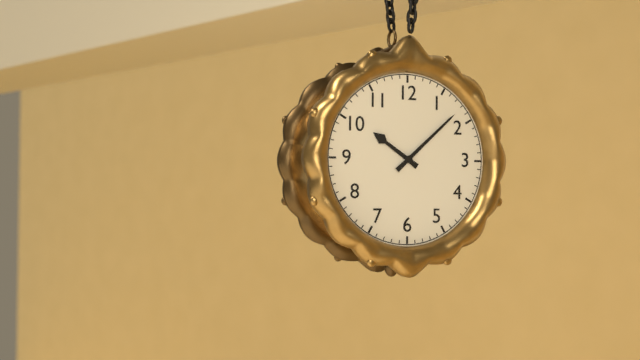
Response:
{"hour": 10, "minute": 8}
